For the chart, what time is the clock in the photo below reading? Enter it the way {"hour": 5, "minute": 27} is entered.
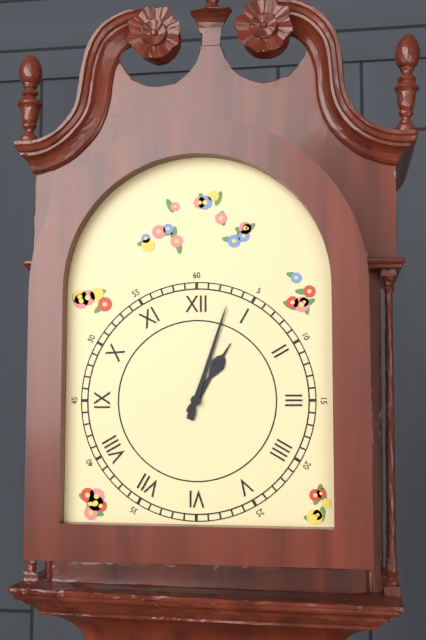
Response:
{"hour": 1, "minute": 3}
